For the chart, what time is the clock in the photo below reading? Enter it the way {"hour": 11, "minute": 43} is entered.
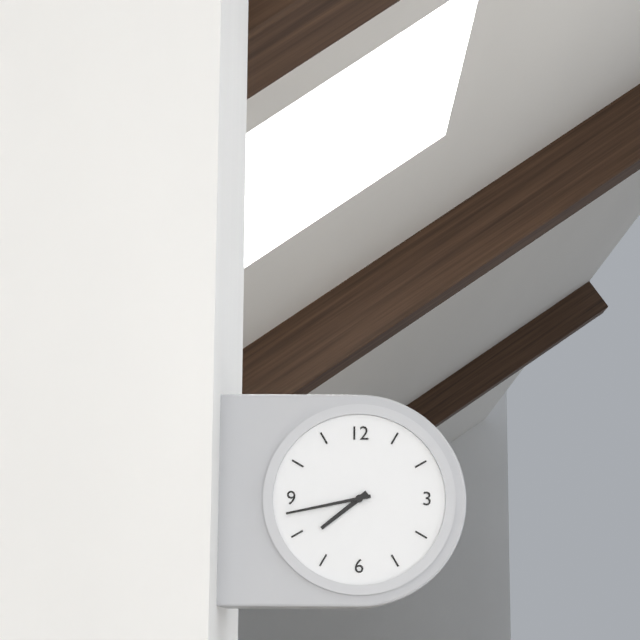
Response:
{"hour": 7, "minute": 43}
